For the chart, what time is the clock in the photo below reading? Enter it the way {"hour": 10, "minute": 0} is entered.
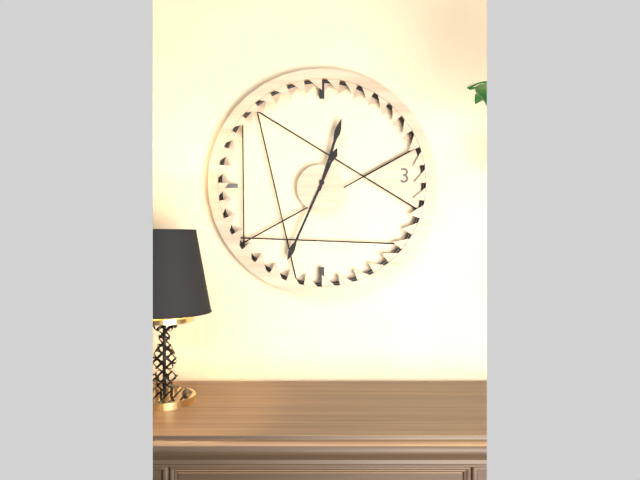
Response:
{"hour": 12, "minute": 34}
